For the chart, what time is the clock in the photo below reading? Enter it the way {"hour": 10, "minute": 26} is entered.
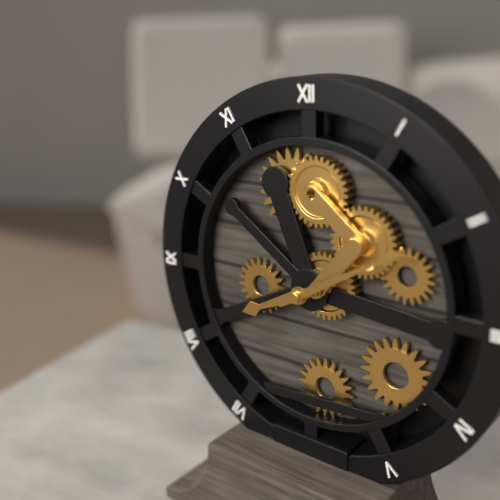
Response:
{"hour": 8, "minute": 10}
